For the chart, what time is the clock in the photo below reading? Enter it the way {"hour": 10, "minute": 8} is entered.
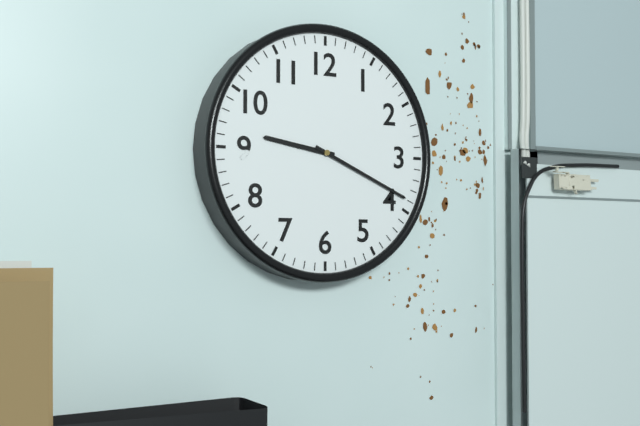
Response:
{"hour": 9, "minute": 19}
